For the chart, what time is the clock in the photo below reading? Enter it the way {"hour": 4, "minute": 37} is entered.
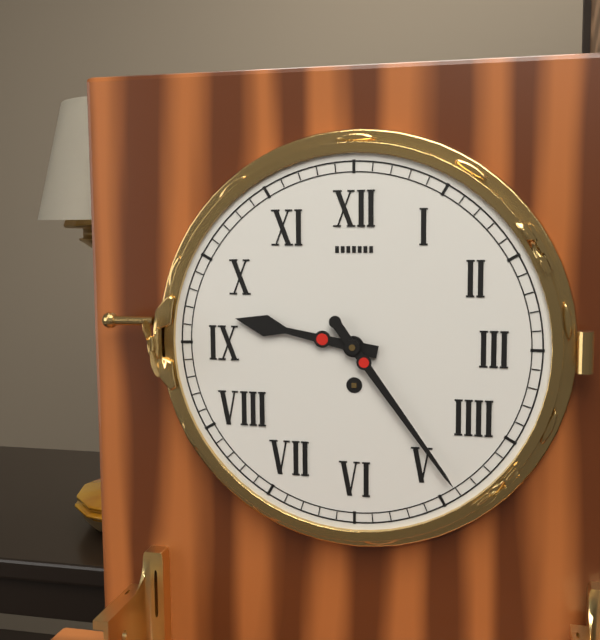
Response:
{"hour": 9, "minute": 24}
